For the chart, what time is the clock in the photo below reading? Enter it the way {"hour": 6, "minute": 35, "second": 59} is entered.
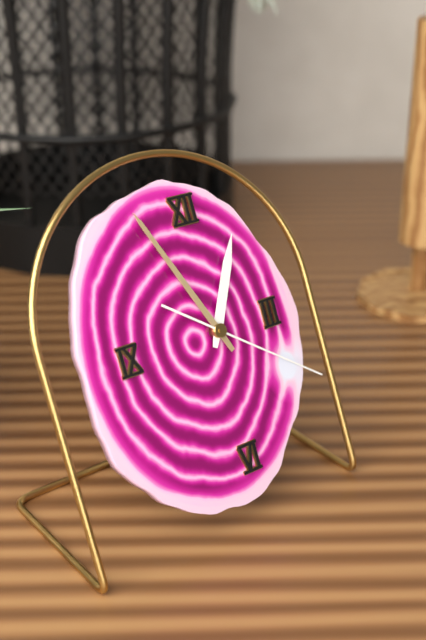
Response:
{"hour": 12, "minute": 56, "second": 21}
